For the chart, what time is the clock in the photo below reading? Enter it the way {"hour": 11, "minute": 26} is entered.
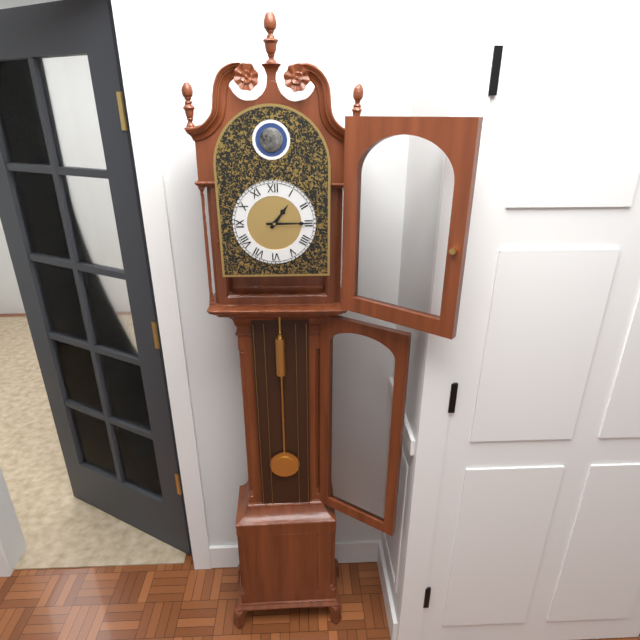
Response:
{"hour": 1, "minute": 15}
